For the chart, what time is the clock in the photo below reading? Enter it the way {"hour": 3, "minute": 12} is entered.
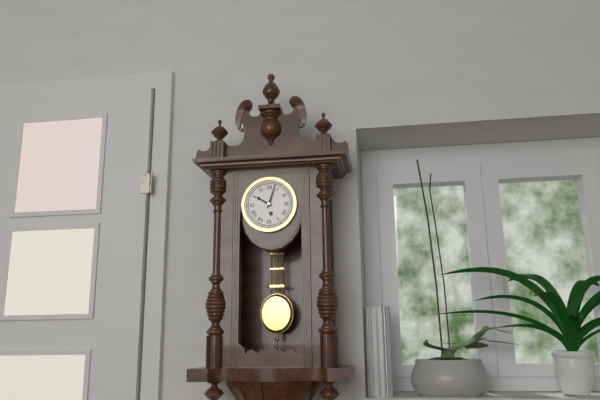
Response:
{"hour": 10, "minute": 3}
